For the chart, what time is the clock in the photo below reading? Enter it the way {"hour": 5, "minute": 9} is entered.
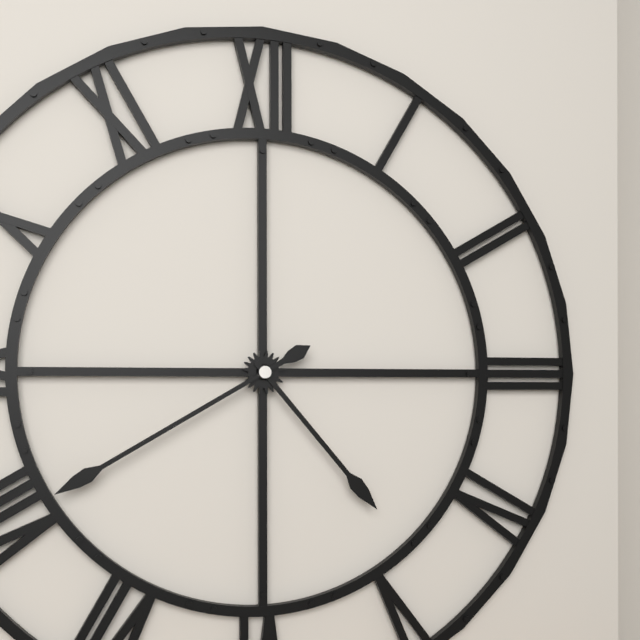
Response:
{"hour": 4, "minute": 40}
